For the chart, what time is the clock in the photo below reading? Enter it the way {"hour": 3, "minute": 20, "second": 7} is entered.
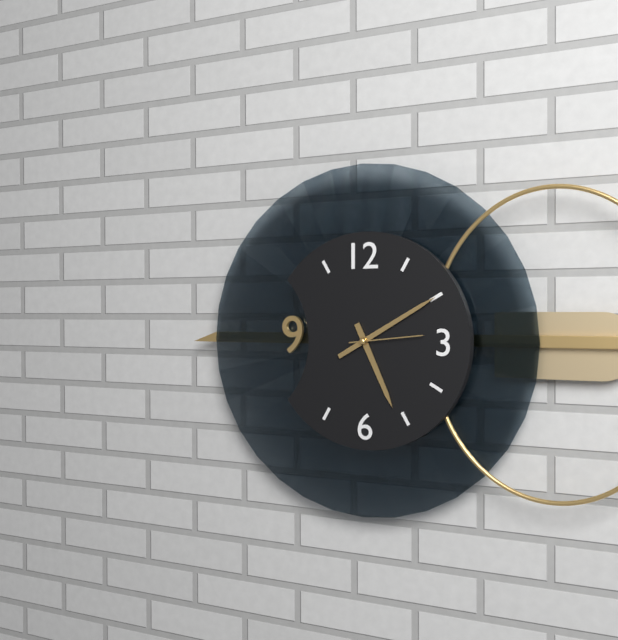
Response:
{"hour": 5, "minute": 10, "second": 14}
